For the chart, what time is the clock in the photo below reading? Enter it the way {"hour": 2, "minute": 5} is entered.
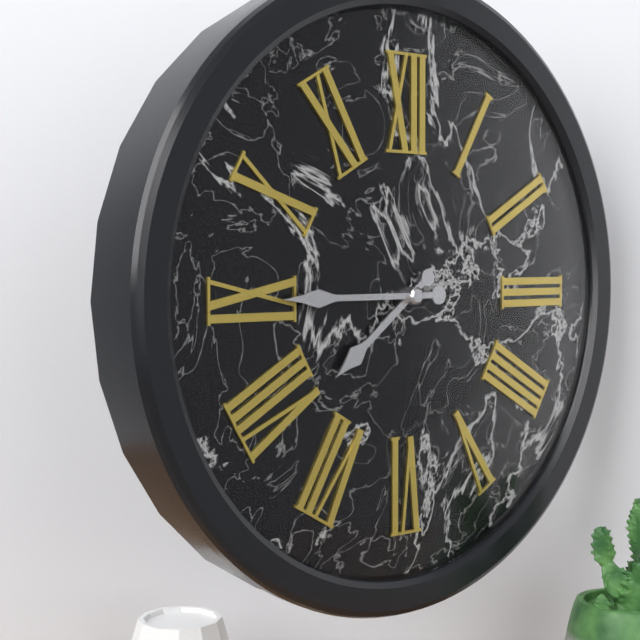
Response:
{"hour": 7, "minute": 45}
